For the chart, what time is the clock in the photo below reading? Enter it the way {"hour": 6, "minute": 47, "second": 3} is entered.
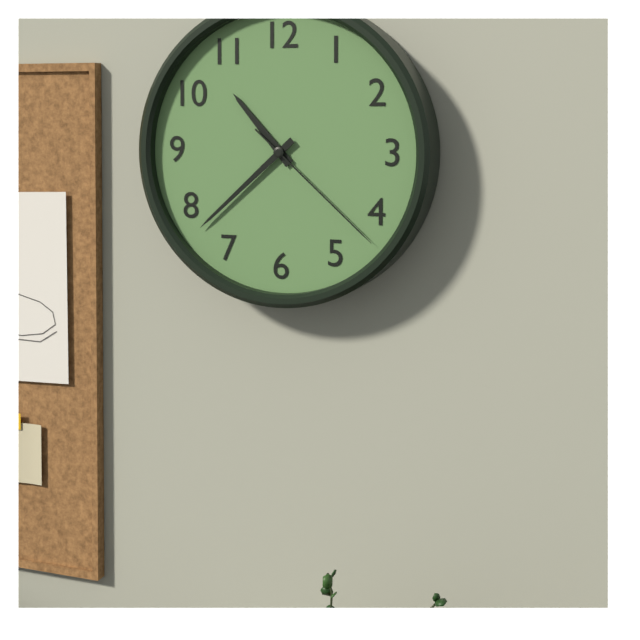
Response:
{"hour": 10, "minute": 38, "second": 22}
